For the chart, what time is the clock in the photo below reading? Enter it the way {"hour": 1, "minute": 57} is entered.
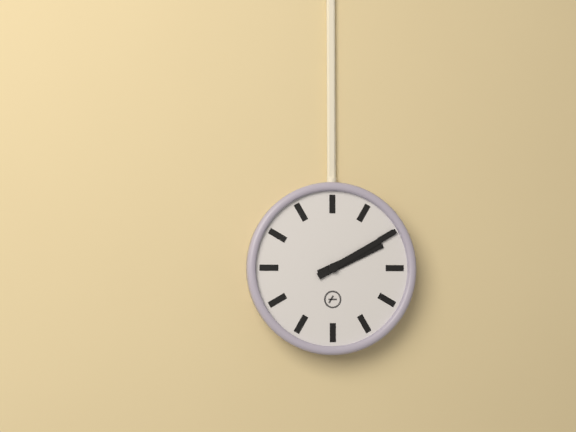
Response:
{"hour": 2, "minute": 10}
